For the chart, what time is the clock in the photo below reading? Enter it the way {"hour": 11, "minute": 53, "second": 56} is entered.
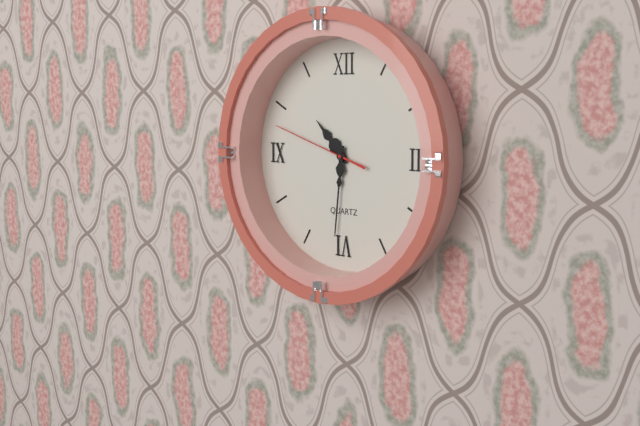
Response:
{"hour": 10, "minute": 31, "second": 48}
